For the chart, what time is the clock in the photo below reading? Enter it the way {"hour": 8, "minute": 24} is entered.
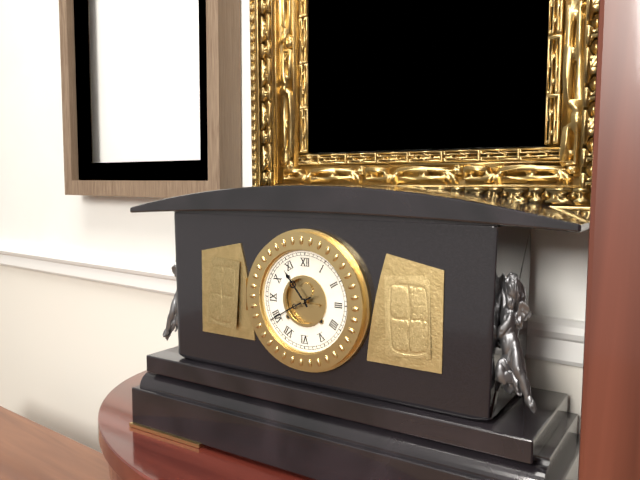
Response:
{"hour": 10, "minute": 40}
